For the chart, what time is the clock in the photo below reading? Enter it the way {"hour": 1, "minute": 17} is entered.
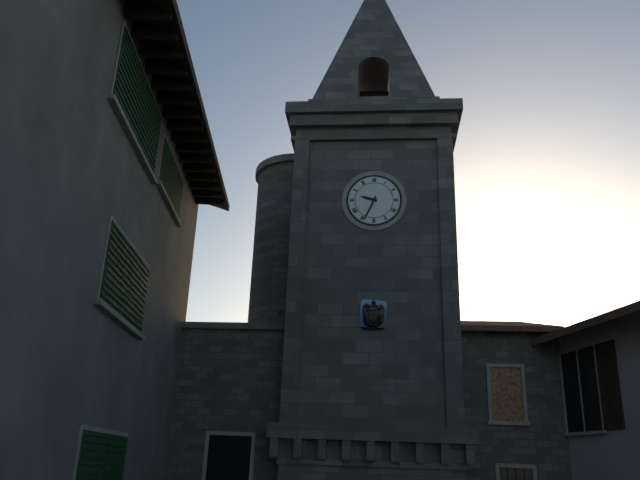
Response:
{"hour": 9, "minute": 34}
